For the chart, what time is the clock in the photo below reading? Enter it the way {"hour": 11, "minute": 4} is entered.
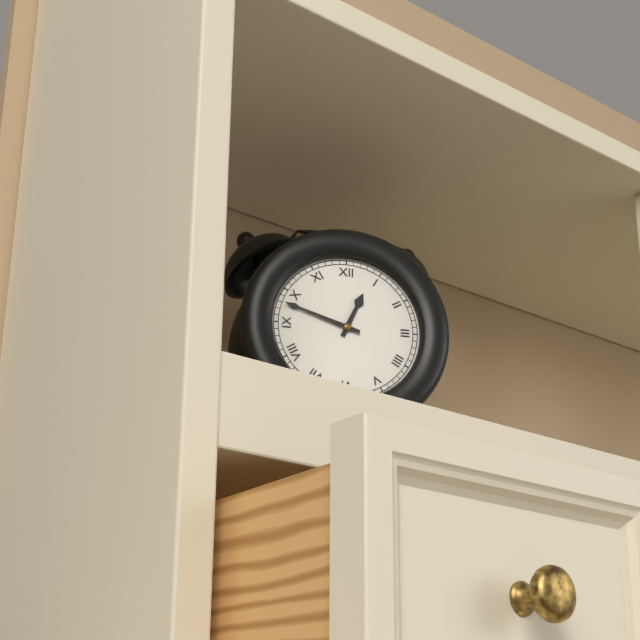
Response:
{"hour": 12, "minute": 48}
